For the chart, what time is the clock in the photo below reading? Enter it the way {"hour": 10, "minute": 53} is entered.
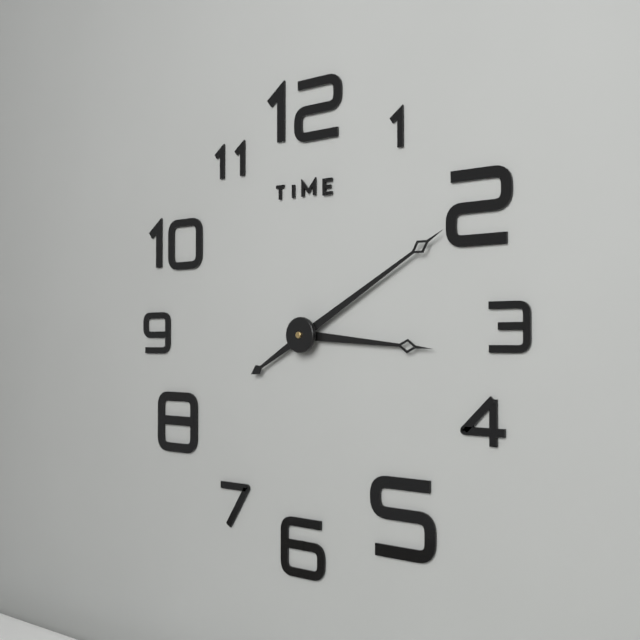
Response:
{"hour": 3, "minute": 10}
